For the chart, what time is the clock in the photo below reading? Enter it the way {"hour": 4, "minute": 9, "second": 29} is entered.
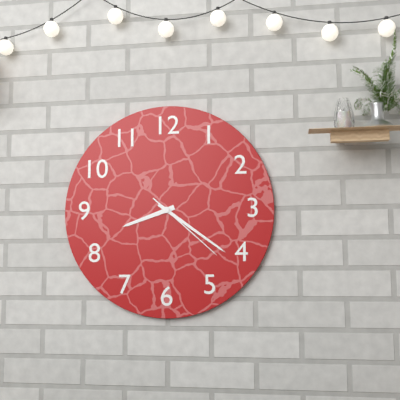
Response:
{"hour": 8, "minute": 21, "second": 22}
